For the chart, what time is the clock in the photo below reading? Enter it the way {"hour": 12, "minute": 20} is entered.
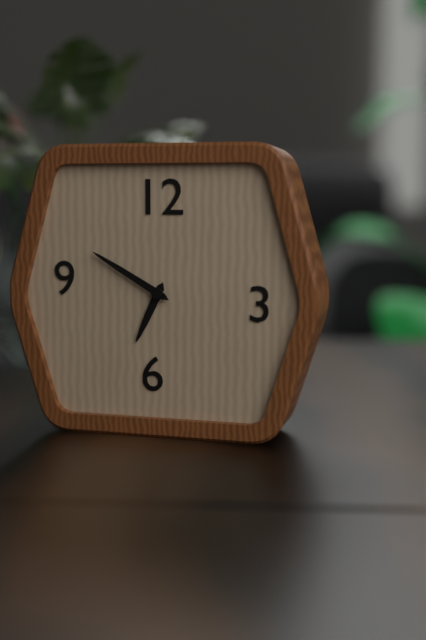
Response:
{"hour": 6, "minute": 50}
